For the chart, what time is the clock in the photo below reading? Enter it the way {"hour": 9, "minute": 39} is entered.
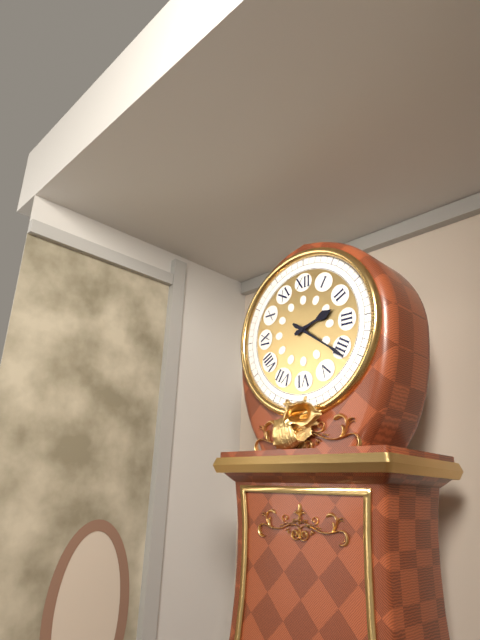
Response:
{"hour": 2, "minute": 21}
